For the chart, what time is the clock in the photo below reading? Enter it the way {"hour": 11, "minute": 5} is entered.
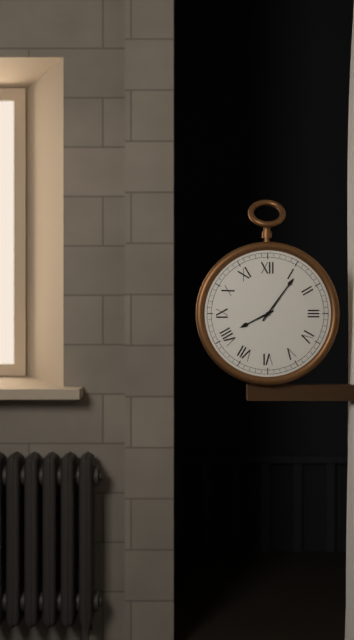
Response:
{"hour": 8, "minute": 6}
